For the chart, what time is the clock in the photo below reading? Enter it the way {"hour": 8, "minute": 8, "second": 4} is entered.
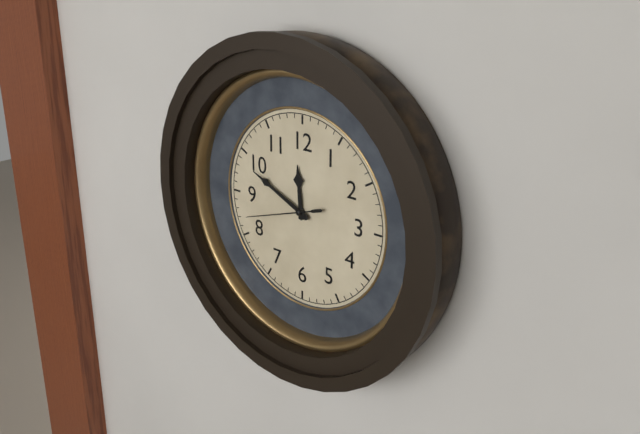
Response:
{"hour": 11, "minute": 49, "second": 42}
